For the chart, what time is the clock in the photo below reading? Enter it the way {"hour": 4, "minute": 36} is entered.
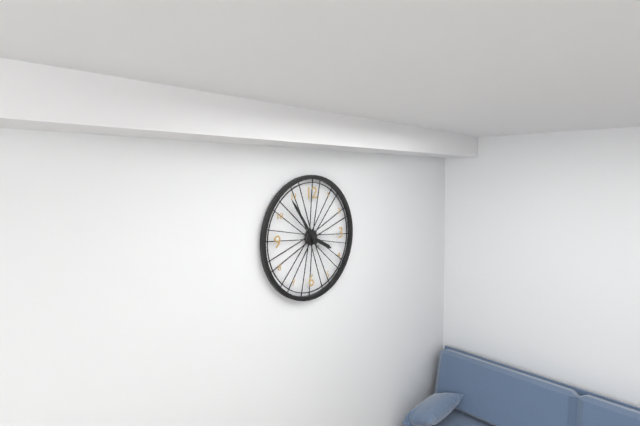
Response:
{"hour": 3, "minute": 54}
